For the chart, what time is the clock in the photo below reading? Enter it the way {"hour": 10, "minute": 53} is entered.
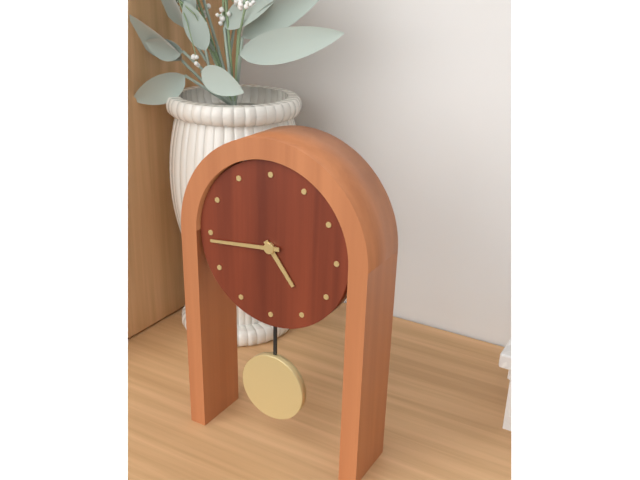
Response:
{"hour": 4, "minute": 44}
